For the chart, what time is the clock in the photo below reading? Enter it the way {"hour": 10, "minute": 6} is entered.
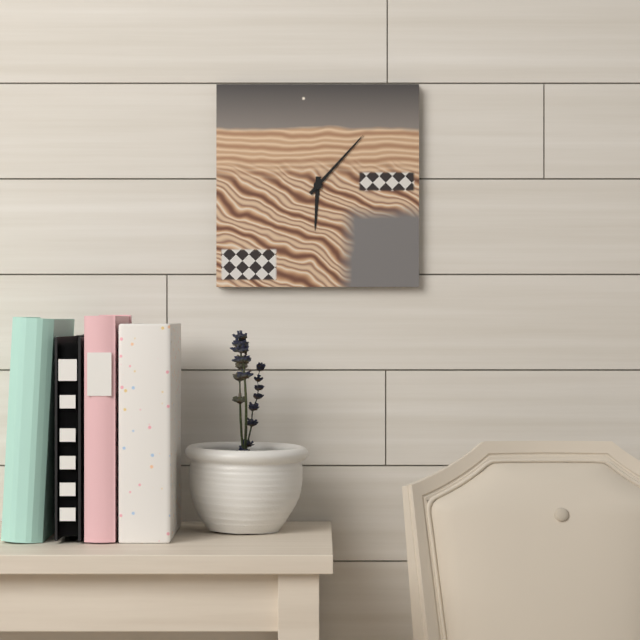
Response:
{"hour": 6, "minute": 7}
